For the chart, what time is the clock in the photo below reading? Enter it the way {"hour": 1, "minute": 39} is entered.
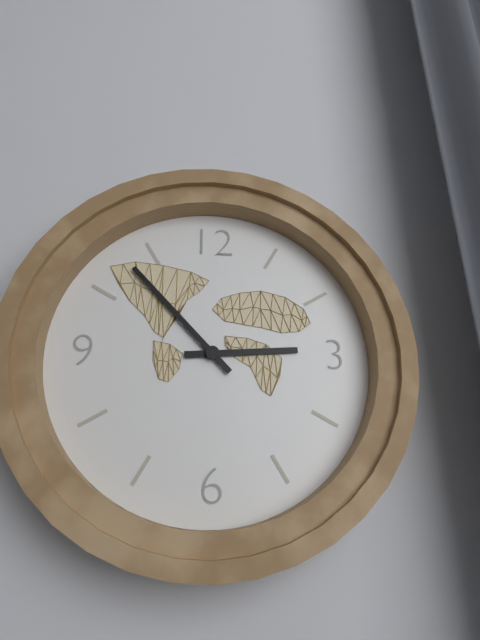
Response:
{"hour": 2, "minute": 53}
